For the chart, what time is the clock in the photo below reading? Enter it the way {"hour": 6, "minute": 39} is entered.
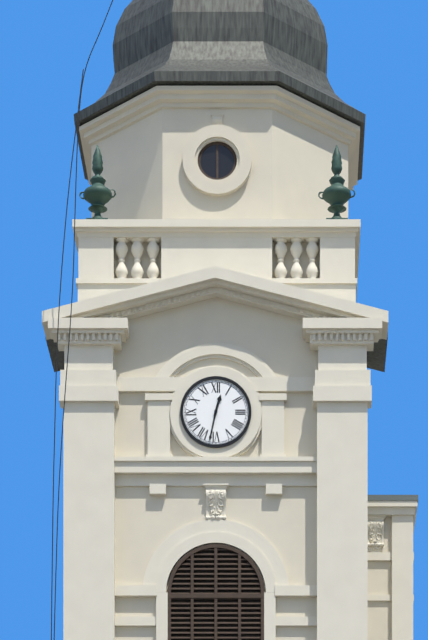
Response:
{"hour": 12, "minute": 32}
